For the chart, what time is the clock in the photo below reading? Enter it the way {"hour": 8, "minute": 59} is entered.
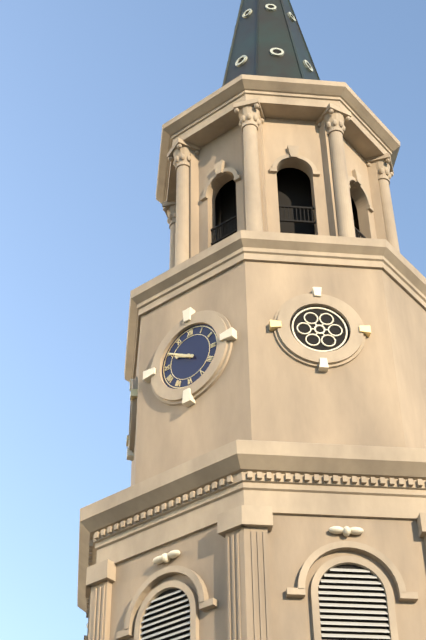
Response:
{"hour": 9, "minute": 50}
